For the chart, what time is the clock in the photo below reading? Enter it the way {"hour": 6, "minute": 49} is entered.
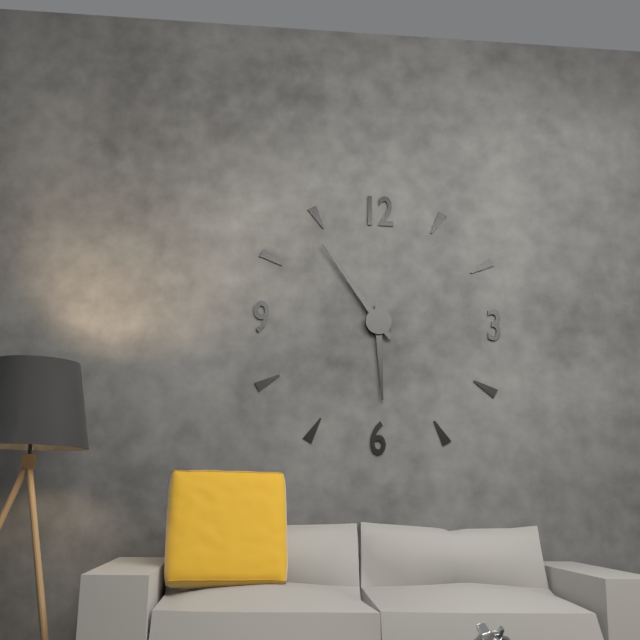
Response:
{"hour": 5, "minute": 54}
